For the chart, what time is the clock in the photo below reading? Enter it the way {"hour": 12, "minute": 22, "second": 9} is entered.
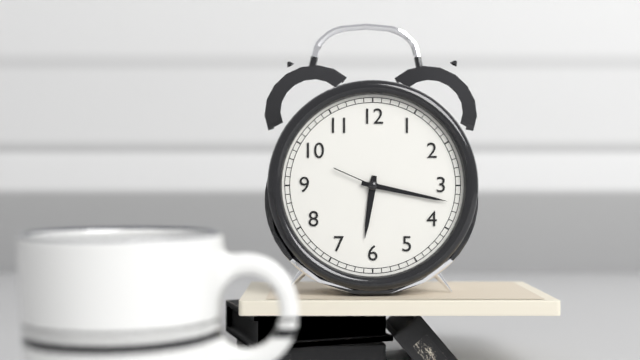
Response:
{"hour": 6, "minute": 17, "second": 49}
